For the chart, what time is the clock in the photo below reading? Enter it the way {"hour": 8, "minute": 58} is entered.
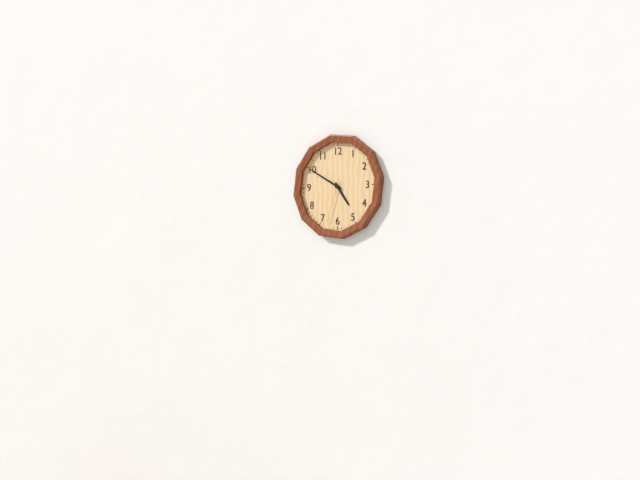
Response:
{"hour": 4, "minute": 50}
